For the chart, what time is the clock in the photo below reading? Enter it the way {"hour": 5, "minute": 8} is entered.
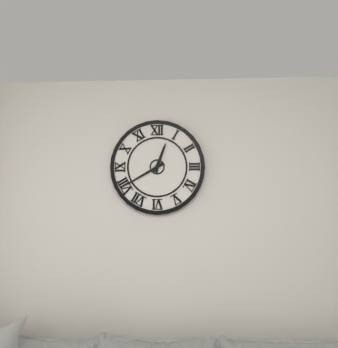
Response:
{"hour": 12, "minute": 40}
